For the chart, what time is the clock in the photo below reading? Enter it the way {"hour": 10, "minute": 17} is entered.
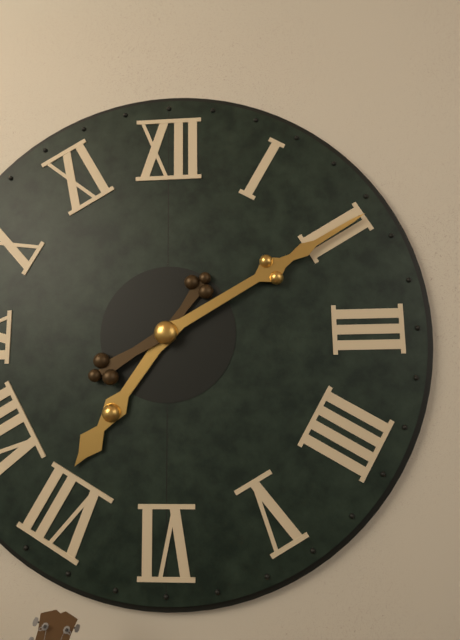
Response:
{"hour": 7, "minute": 10}
